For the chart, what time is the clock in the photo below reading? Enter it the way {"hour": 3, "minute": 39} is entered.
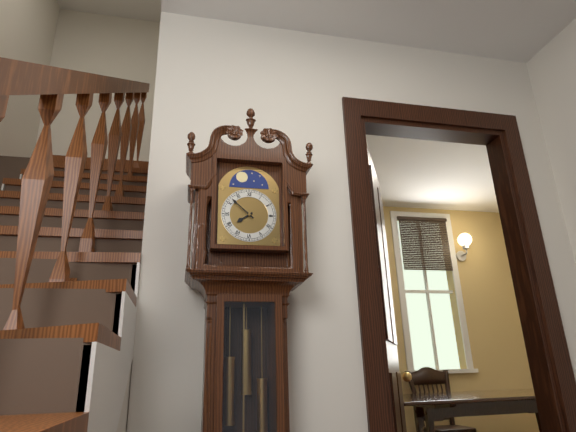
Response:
{"hour": 7, "minute": 52}
